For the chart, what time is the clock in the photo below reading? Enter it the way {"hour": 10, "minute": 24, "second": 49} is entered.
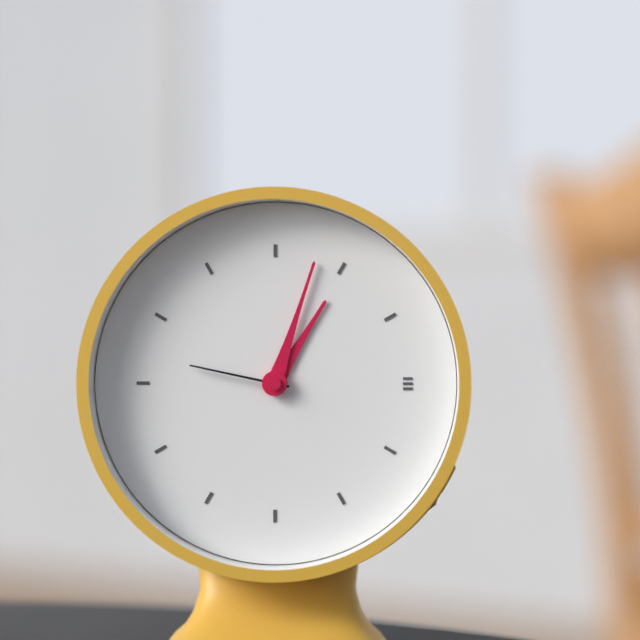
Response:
{"hour": 1, "minute": 3, "second": 47}
